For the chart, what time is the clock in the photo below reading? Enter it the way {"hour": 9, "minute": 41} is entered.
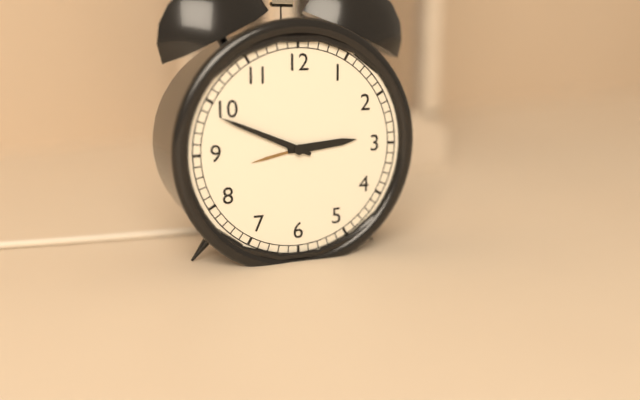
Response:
{"hour": 2, "minute": 49}
